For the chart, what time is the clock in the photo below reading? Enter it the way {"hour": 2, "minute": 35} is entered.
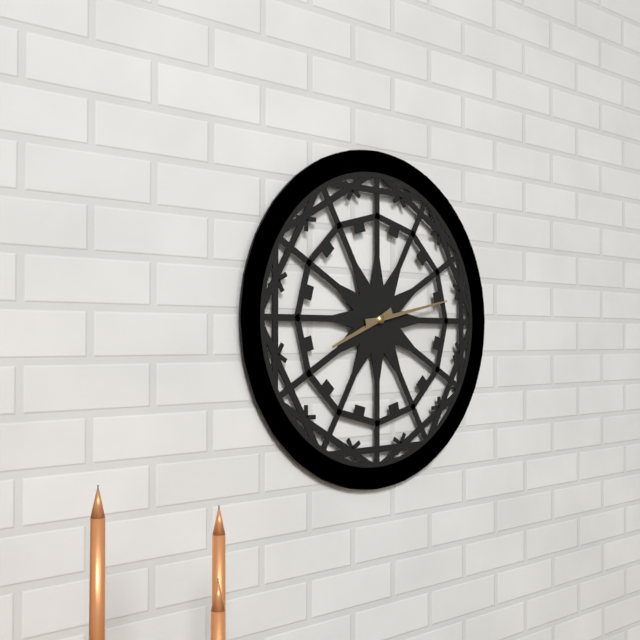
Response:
{"hour": 8, "minute": 13}
